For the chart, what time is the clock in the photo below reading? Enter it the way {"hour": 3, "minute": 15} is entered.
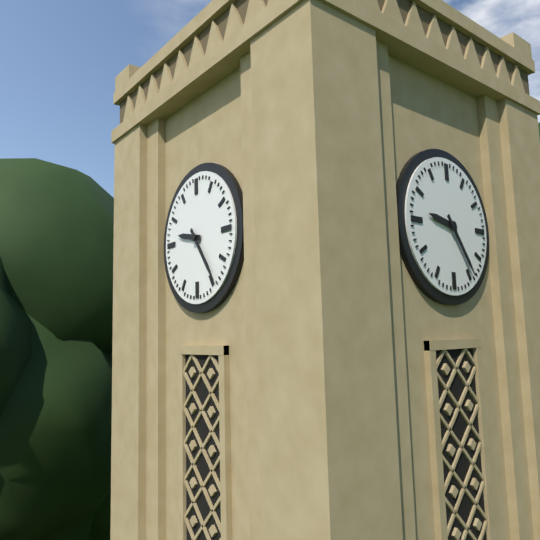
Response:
{"hour": 9, "minute": 24}
